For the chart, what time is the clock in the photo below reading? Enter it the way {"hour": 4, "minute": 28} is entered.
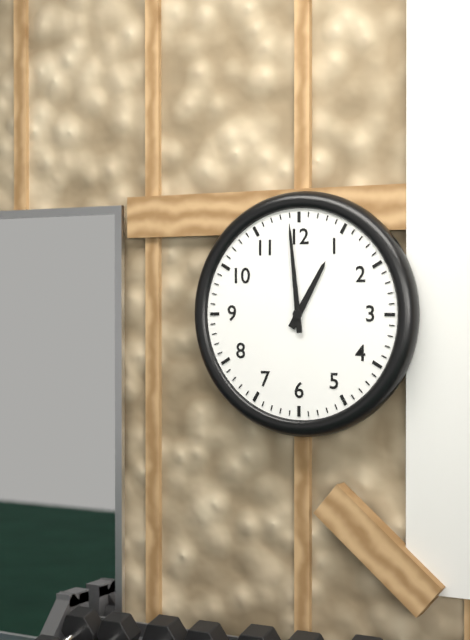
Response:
{"hour": 12, "minute": 59}
